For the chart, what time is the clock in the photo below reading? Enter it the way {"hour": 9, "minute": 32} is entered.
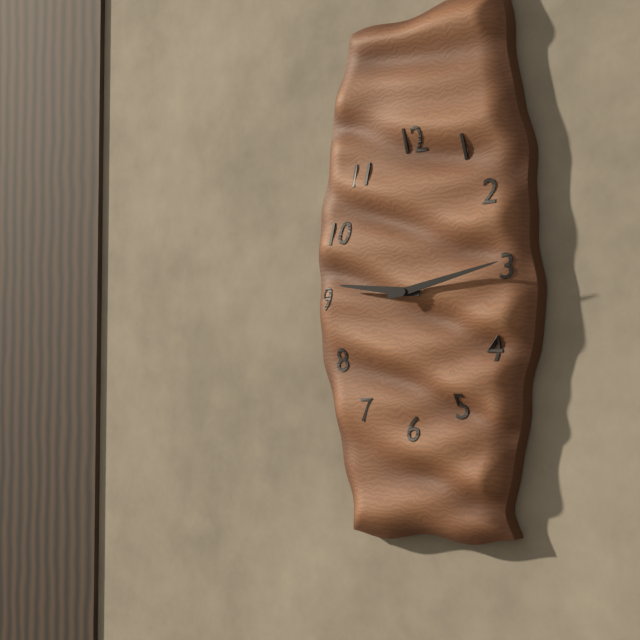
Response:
{"hour": 9, "minute": 13}
